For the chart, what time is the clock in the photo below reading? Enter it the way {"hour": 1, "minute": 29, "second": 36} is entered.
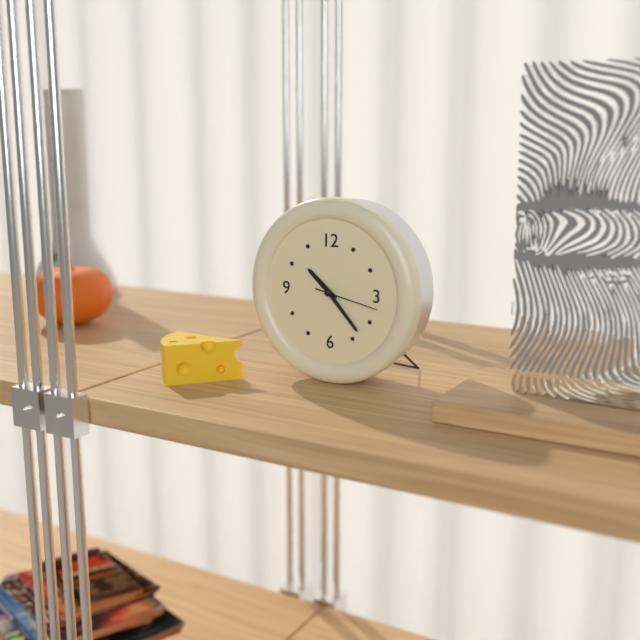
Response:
{"hour": 10, "minute": 23, "second": 17}
